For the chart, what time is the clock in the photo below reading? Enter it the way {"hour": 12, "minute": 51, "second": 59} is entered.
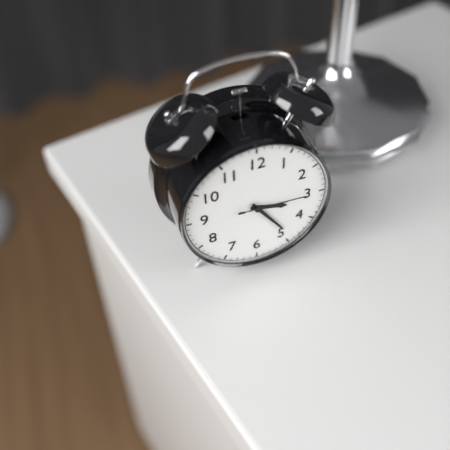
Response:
{"hour": 3, "minute": 24, "second": 15}
